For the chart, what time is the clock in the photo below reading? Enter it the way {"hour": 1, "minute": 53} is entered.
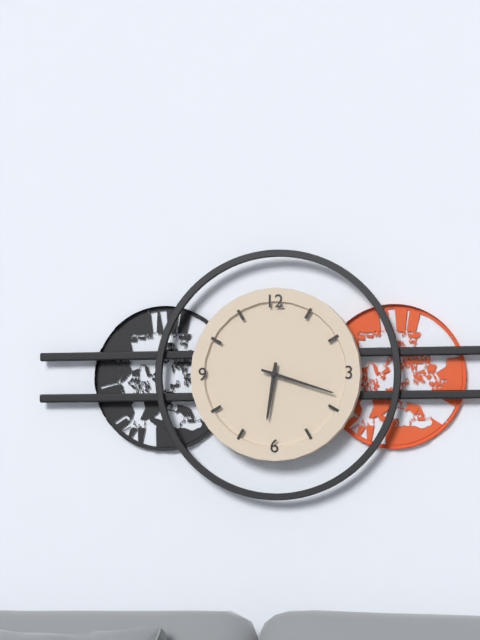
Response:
{"hour": 6, "minute": 18}
